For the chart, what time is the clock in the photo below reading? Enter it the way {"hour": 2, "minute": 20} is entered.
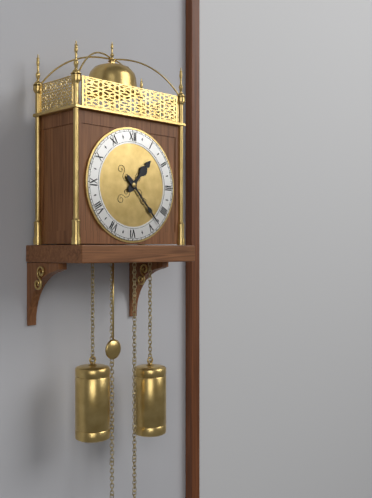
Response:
{"hour": 1, "minute": 23}
